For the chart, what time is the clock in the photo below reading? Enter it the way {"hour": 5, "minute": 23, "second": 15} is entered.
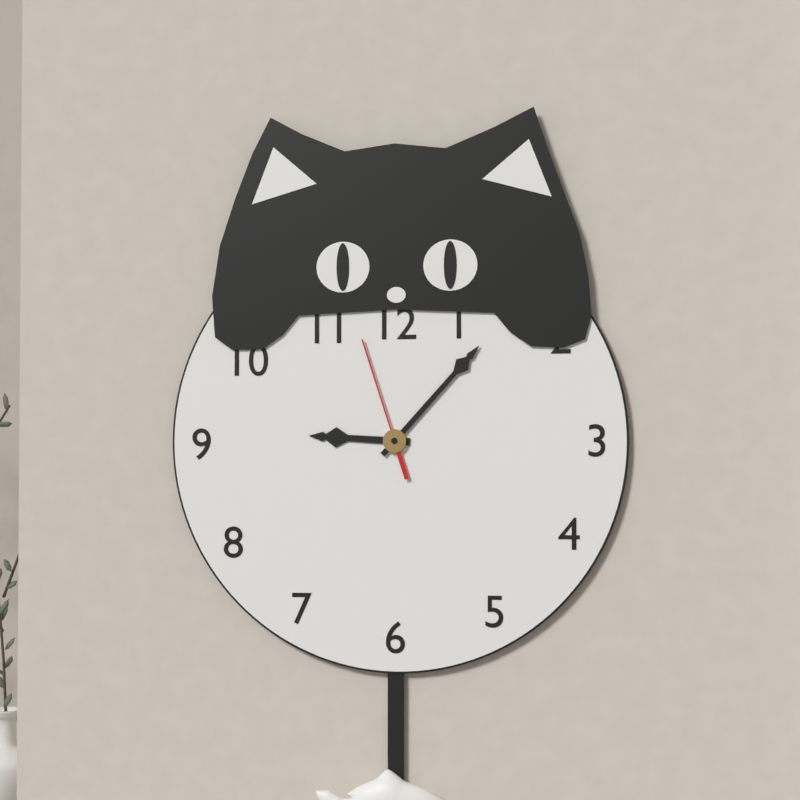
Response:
{"hour": 9, "minute": 7, "second": 57}
